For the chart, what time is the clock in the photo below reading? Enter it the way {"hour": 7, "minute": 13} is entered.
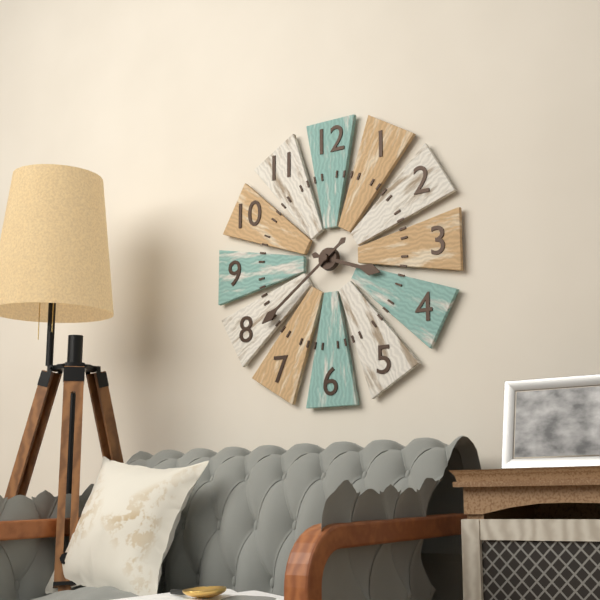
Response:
{"hour": 3, "minute": 39}
